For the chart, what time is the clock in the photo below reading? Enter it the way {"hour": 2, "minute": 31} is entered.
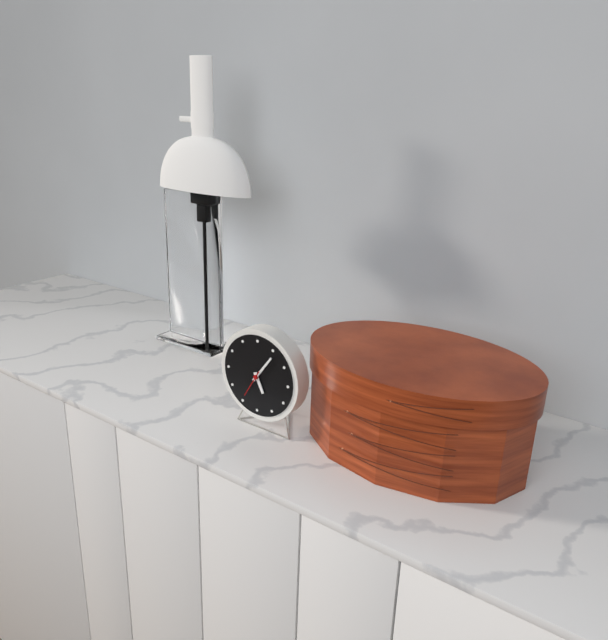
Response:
{"hour": 5, "minute": 6}
